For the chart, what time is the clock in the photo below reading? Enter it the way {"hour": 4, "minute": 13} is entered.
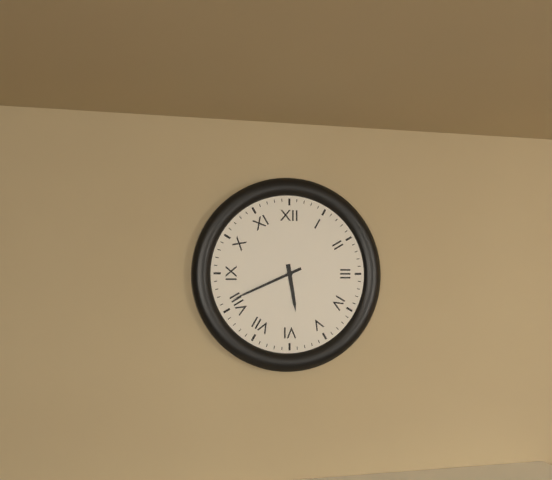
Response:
{"hour": 5, "minute": 41}
